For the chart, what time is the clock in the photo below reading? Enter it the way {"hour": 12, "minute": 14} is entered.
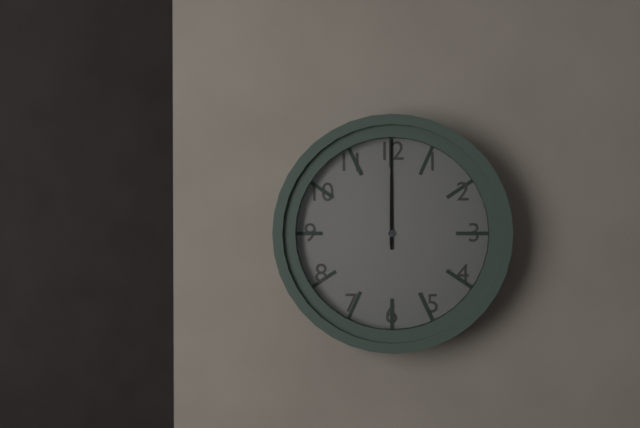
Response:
{"hour": 12, "minute": 0}
